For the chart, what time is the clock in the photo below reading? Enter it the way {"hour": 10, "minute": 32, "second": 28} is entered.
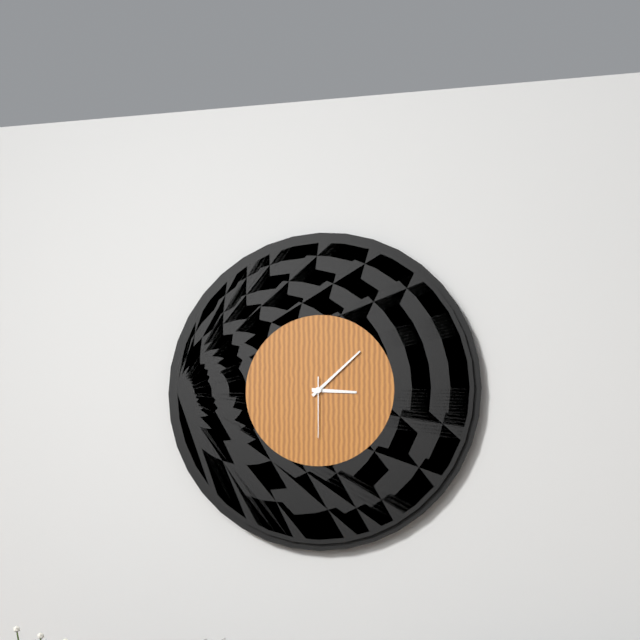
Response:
{"hour": 3, "minute": 8, "second": 30}
